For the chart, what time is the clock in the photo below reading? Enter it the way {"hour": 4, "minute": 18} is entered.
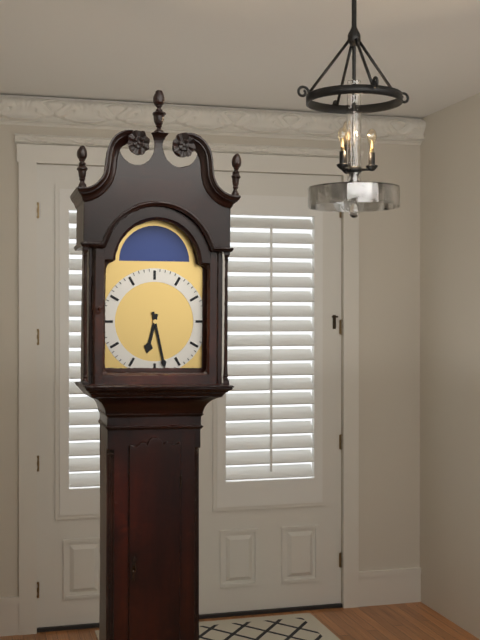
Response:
{"hour": 6, "minute": 28}
